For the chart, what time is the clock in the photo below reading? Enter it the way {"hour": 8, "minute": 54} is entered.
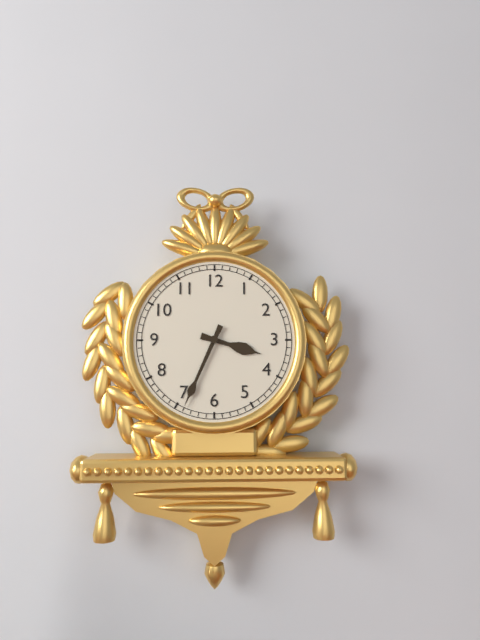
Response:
{"hour": 3, "minute": 34}
